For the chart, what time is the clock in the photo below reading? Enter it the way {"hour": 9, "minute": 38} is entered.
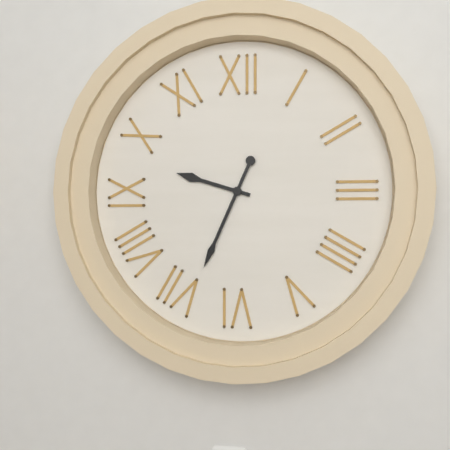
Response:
{"hour": 9, "minute": 34}
